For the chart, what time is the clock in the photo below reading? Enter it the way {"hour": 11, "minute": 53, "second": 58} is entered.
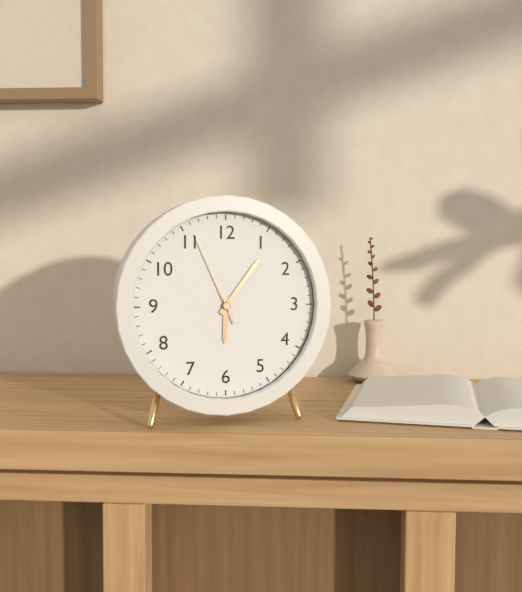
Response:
{"hour": 6, "minute": 6, "second": 56}
